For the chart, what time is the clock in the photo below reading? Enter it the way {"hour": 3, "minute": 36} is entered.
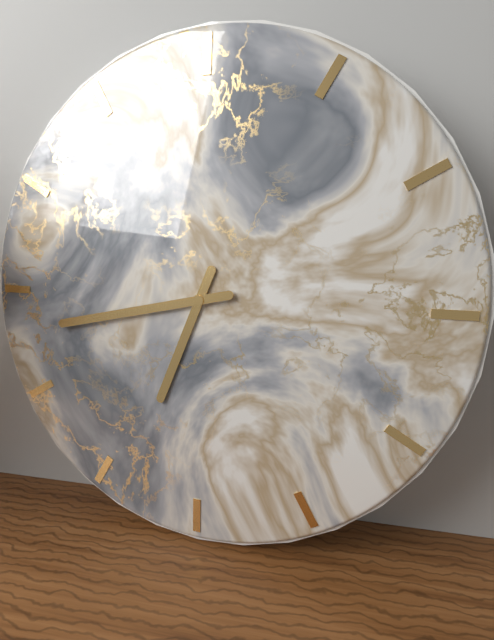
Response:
{"hour": 6, "minute": 43}
